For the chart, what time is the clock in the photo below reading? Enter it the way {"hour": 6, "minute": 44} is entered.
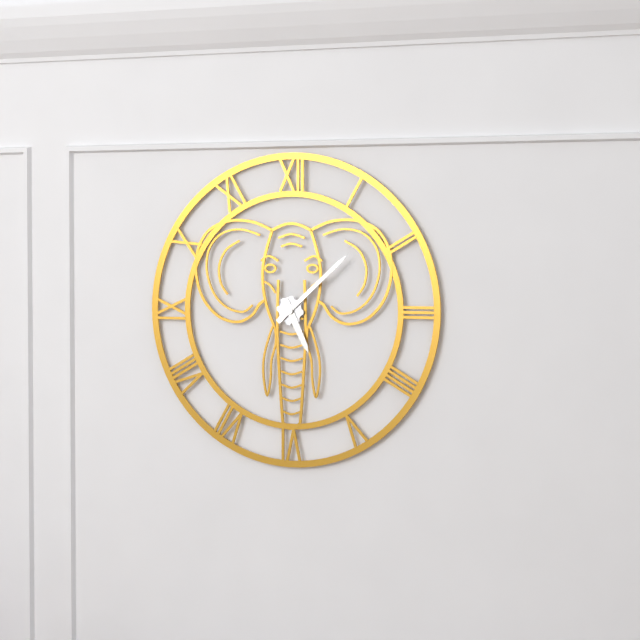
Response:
{"hour": 5, "minute": 8}
